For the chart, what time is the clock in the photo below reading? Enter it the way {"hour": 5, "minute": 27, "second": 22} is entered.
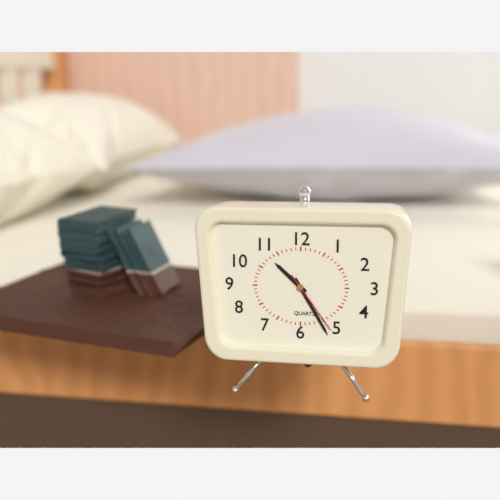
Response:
{"hour": 10, "minute": 25, "second": 24}
